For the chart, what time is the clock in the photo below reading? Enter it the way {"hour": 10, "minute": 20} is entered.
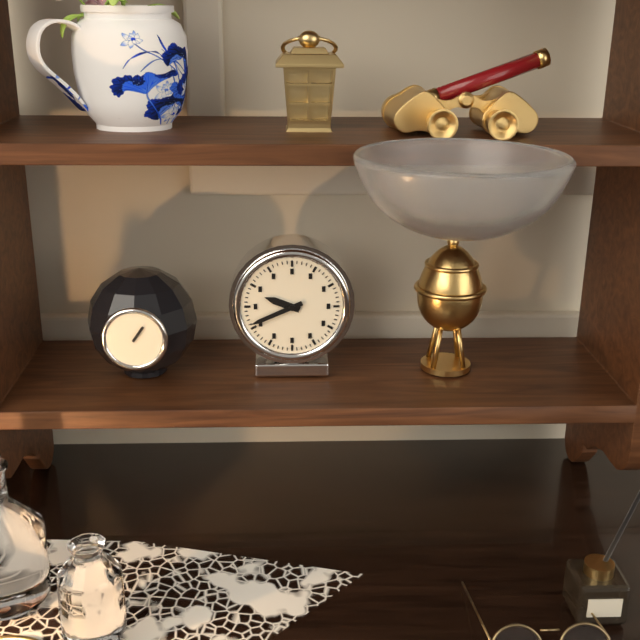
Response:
{"hour": 9, "minute": 41}
